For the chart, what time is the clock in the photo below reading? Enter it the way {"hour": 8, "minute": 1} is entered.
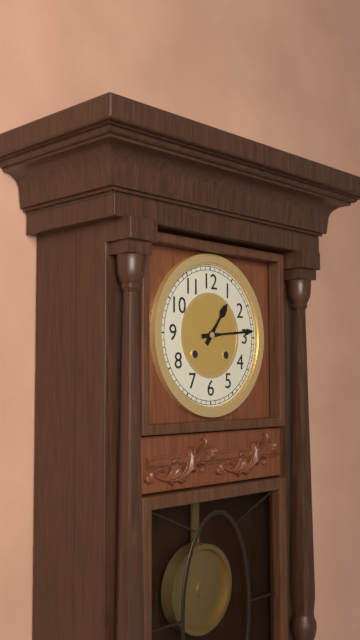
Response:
{"hour": 1, "minute": 14}
